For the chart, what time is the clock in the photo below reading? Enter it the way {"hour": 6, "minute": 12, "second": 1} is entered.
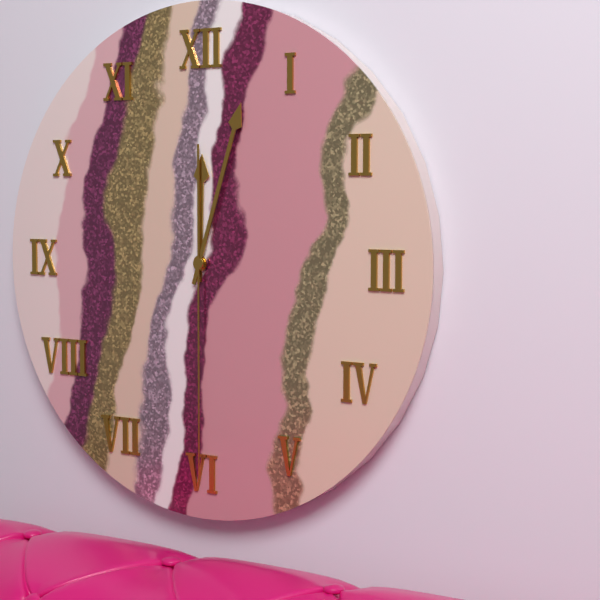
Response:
{"hour": 12, "minute": 3, "second": 30}
